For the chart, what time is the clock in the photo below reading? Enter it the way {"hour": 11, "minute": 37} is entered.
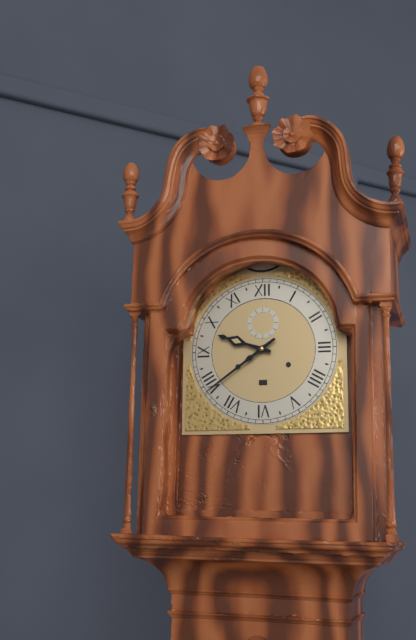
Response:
{"hour": 9, "minute": 39}
